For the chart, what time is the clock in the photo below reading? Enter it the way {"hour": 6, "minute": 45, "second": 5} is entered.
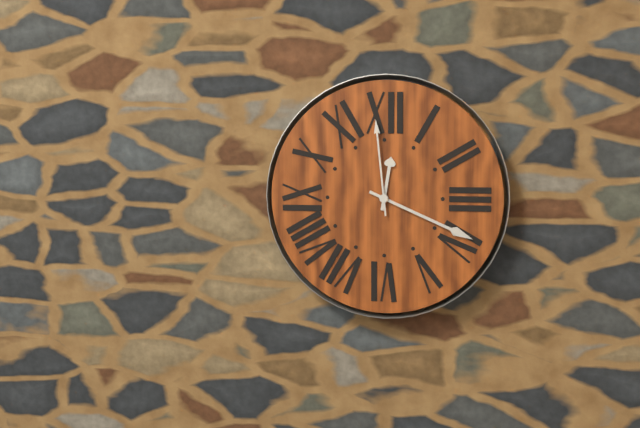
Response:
{"hour": 12, "minute": 19, "second": 59}
